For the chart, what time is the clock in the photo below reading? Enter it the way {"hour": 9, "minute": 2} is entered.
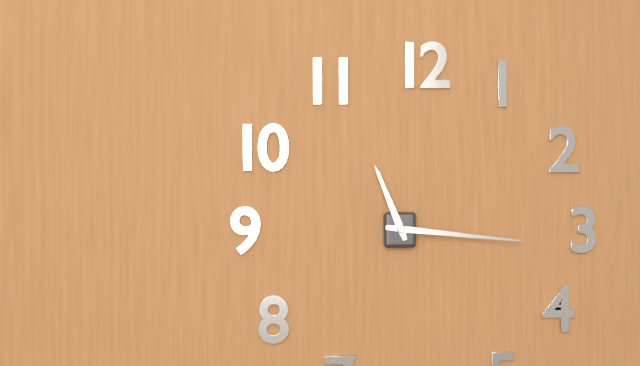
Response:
{"hour": 11, "minute": 16}
